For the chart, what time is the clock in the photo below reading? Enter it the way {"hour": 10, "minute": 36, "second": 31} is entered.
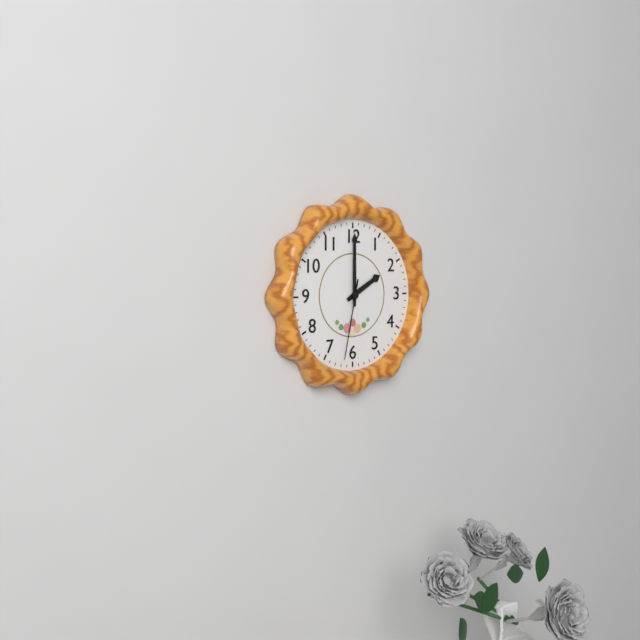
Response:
{"hour": 2, "minute": 0, "second": 32}
